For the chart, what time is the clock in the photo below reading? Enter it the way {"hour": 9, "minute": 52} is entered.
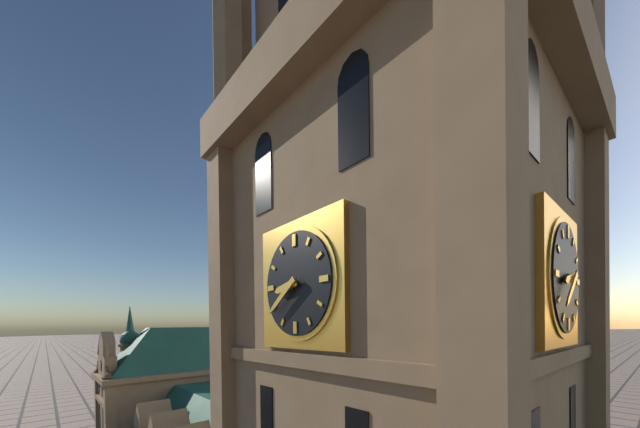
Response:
{"hour": 8, "minute": 39}
